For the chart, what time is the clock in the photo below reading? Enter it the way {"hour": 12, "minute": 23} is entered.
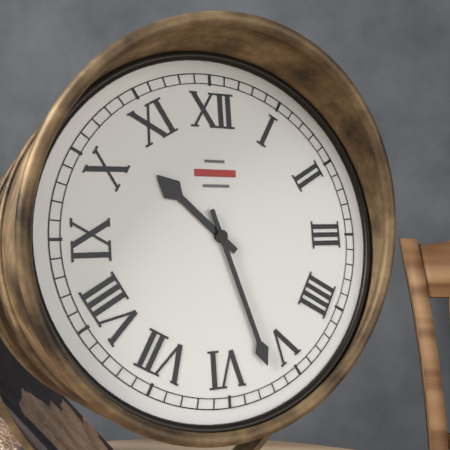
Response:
{"hour": 10, "minute": 27}
